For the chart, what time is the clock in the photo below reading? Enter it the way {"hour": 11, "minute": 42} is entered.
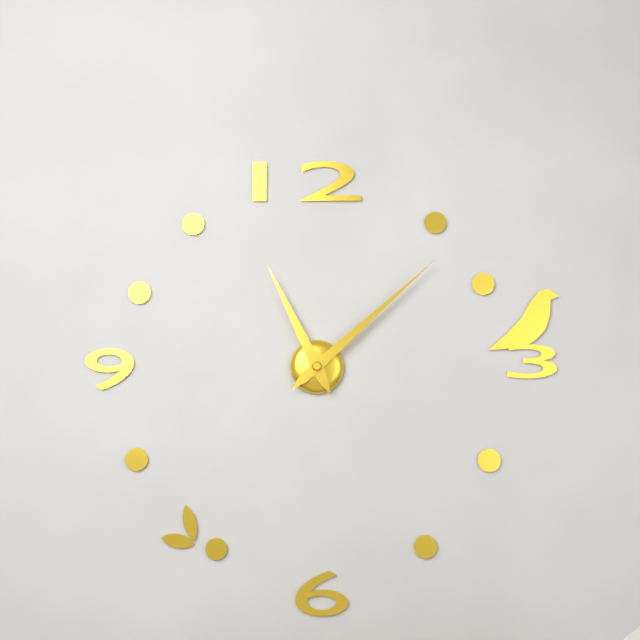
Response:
{"hour": 11, "minute": 8}
